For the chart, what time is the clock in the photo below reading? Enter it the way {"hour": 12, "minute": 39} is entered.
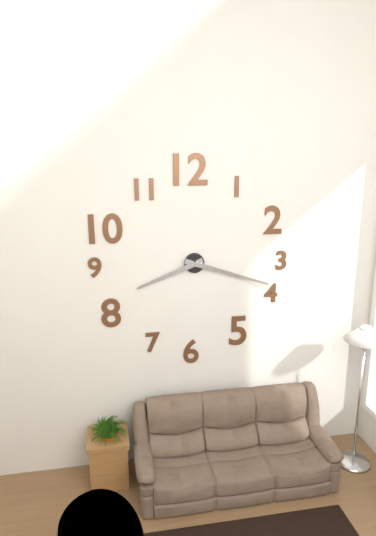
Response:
{"hour": 8, "minute": 18}
